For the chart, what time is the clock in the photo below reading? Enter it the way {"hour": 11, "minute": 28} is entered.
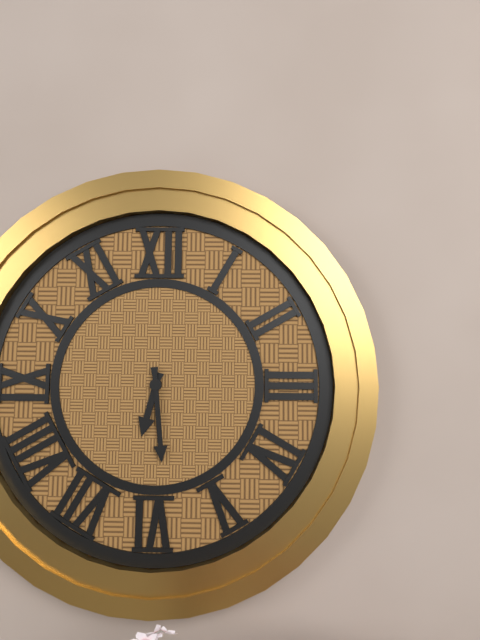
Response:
{"hour": 6, "minute": 29}
